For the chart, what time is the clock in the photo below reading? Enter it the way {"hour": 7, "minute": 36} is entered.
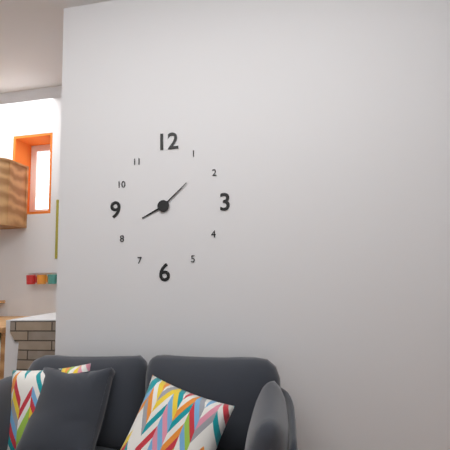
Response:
{"hour": 8, "minute": 8}
